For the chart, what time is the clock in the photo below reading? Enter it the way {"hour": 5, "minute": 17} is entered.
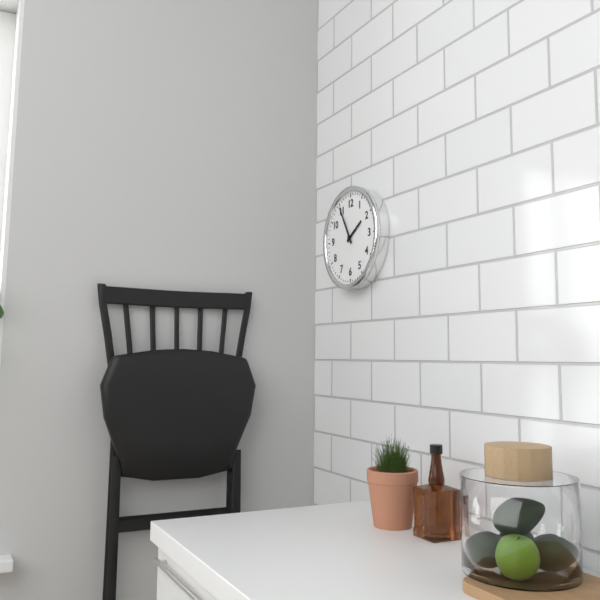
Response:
{"hour": 1, "minute": 55}
